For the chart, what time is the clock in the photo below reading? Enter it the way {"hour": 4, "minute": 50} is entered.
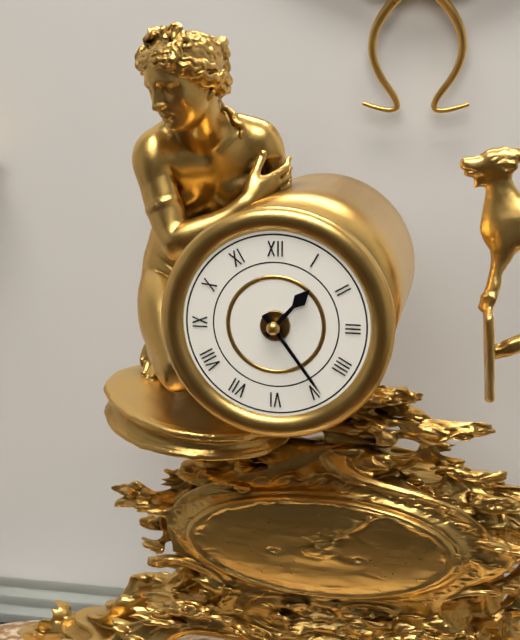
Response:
{"hour": 1, "minute": 24}
